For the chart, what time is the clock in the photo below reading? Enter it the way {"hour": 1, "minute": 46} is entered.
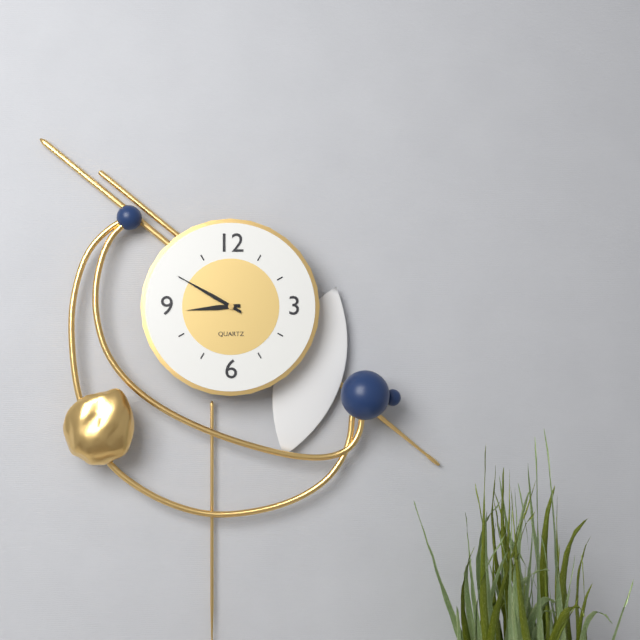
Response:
{"hour": 8, "minute": 50}
